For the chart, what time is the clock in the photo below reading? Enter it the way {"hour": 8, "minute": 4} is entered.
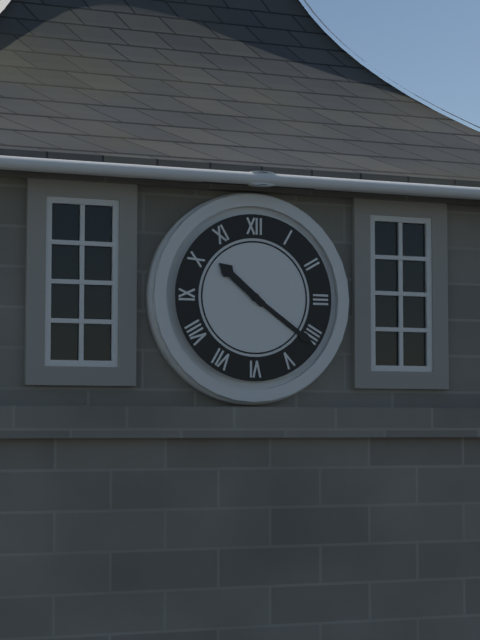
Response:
{"hour": 10, "minute": 21}
